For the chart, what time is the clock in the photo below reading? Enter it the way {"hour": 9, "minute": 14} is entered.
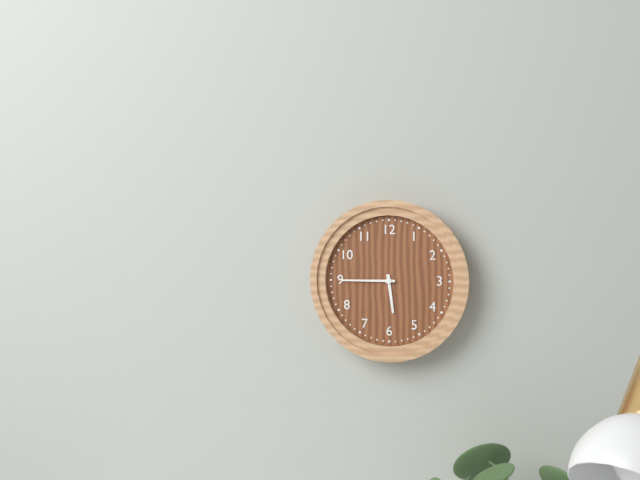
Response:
{"hour": 5, "minute": 45}
